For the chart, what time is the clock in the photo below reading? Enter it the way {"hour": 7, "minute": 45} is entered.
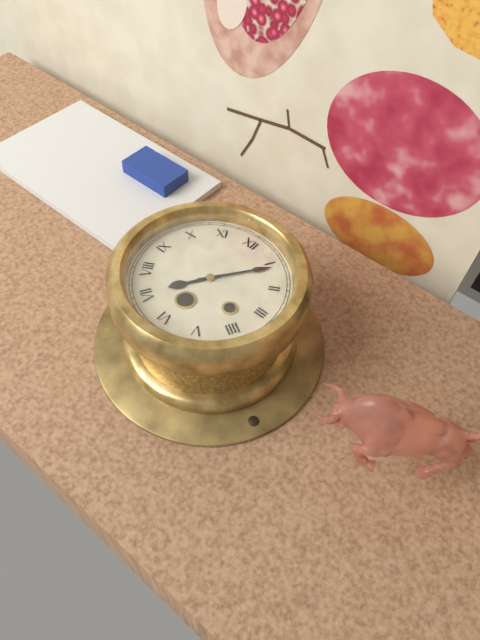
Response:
{"hour": 7, "minute": 6}
